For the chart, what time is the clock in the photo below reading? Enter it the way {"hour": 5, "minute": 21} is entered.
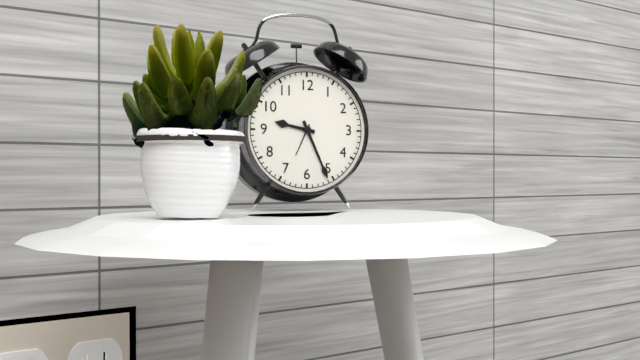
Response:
{"hour": 9, "minute": 26}
